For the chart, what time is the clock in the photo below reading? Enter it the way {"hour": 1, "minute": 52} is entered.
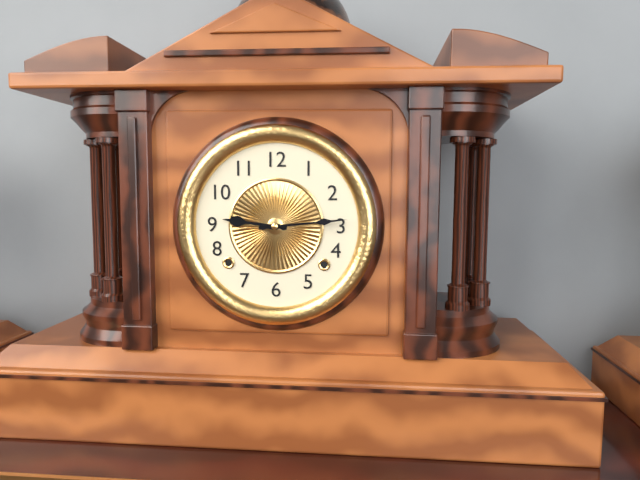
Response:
{"hour": 9, "minute": 14}
